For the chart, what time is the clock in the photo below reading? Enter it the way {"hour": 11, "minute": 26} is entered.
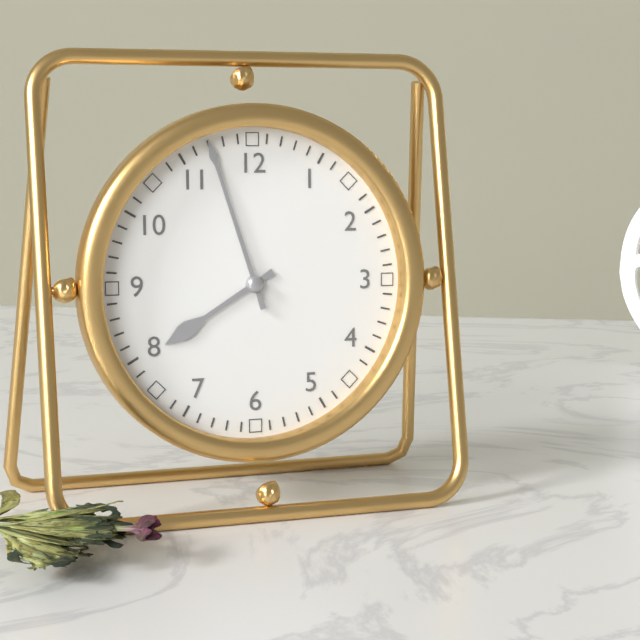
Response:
{"hour": 7, "minute": 57}
